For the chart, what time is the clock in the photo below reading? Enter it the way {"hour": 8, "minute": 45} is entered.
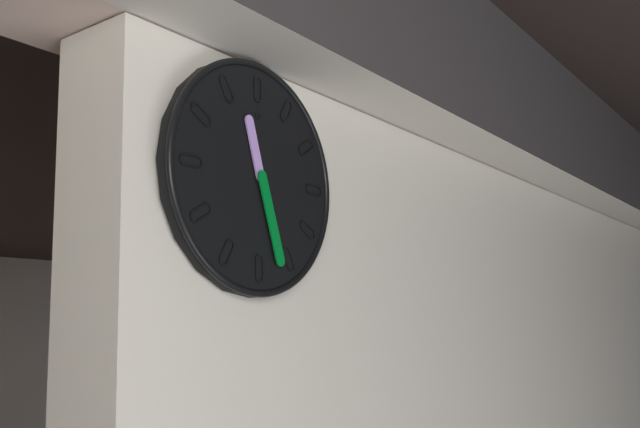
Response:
{"hour": 11, "minute": 27}
